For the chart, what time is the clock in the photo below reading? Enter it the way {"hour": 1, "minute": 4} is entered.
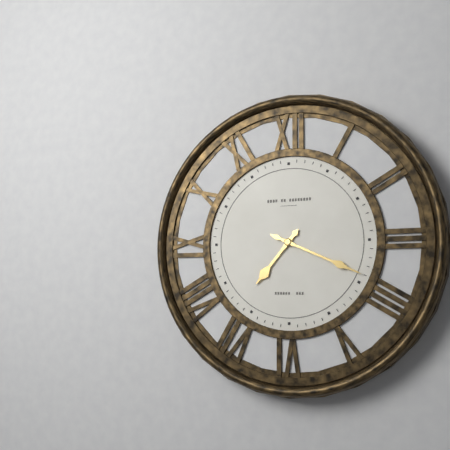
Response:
{"hour": 7, "minute": 19}
